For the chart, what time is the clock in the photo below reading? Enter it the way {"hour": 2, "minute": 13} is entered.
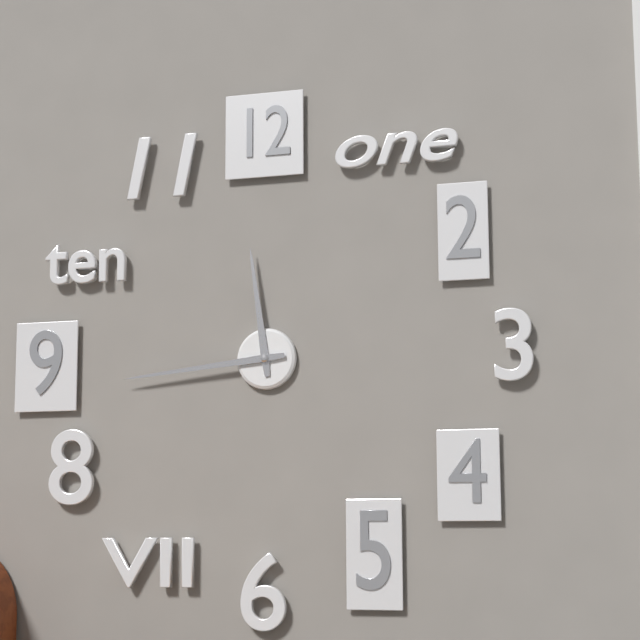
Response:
{"hour": 11, "minute": 44}
